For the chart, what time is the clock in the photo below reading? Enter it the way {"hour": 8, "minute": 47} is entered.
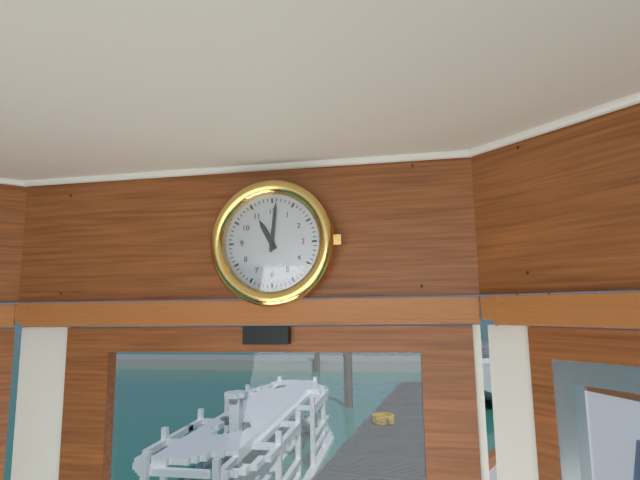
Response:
{"hour": 11, "minute": 1}
